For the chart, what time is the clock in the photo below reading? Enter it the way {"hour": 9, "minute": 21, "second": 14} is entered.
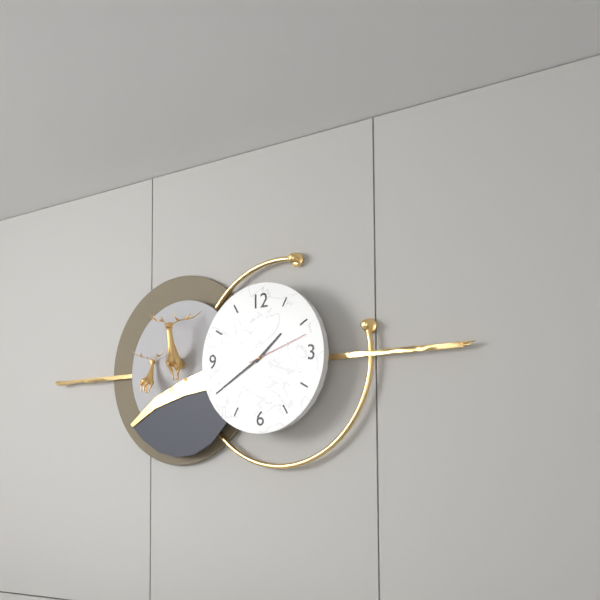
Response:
{"hour": 1, "minute": 40, "second": 12}
